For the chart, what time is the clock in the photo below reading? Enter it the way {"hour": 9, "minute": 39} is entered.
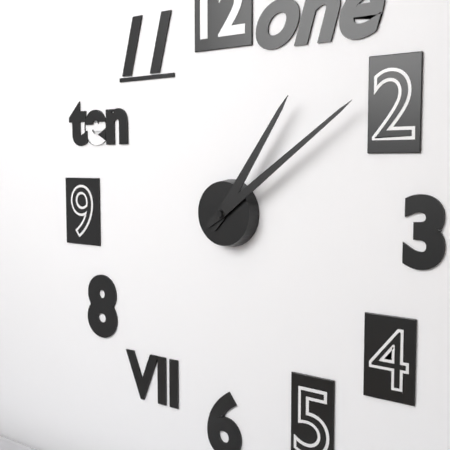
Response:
{"hour": 1, "minute": 9}
